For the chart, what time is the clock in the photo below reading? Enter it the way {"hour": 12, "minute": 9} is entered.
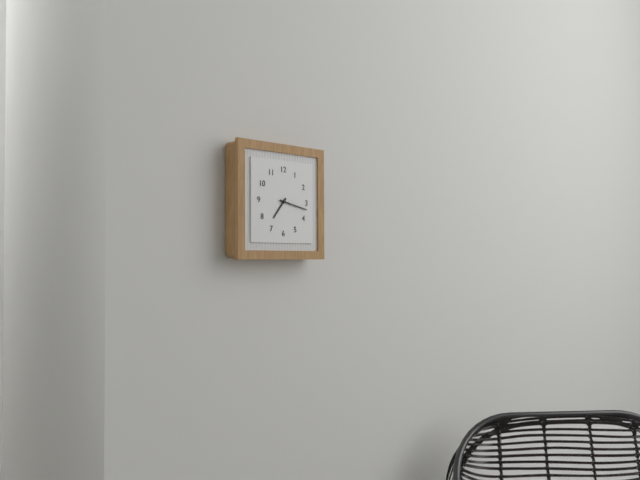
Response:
{"hour": 7, "minute": 17}
